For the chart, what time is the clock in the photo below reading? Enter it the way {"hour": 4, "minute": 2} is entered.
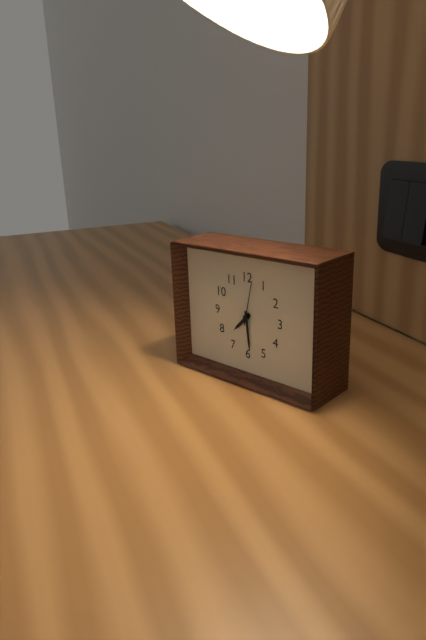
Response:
{"hour": 7, "minute": 29}
